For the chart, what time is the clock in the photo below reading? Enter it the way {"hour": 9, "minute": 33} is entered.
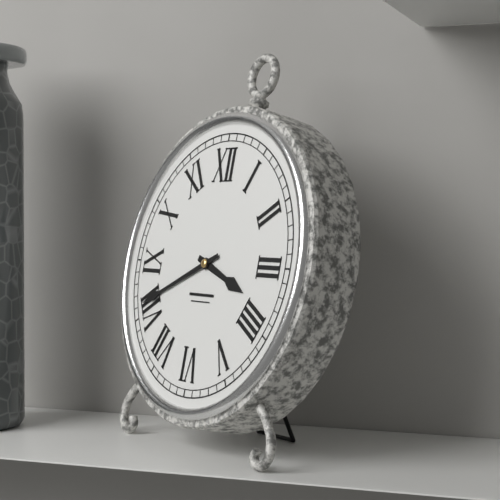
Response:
{"hour": 3, "minute": 41}
